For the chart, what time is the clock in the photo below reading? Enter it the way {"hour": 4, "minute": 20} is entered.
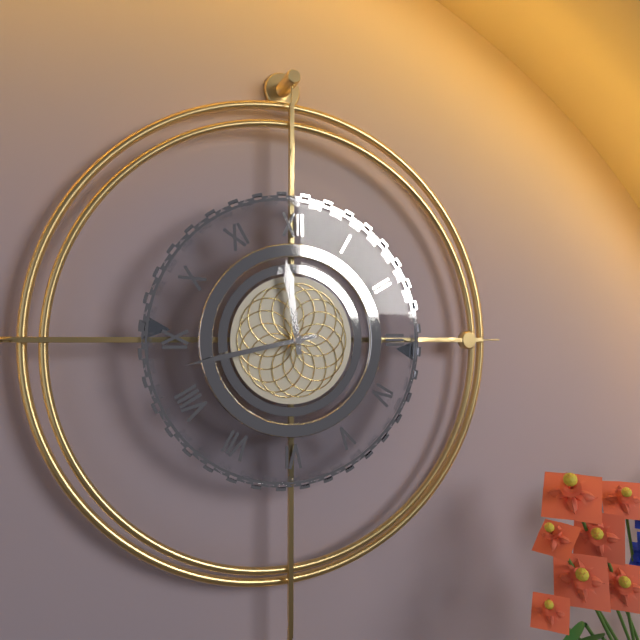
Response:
{"hour": 11, "minute": 43}
